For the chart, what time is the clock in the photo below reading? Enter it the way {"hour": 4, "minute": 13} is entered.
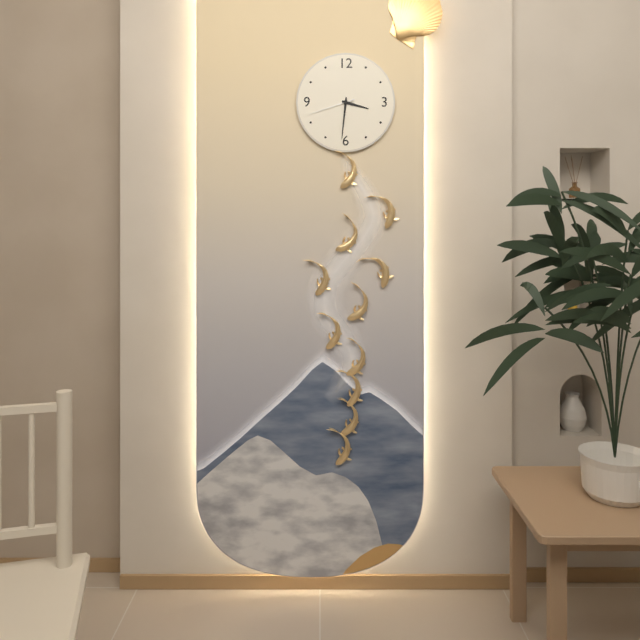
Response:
{"hour": 3, "minute": 31}
